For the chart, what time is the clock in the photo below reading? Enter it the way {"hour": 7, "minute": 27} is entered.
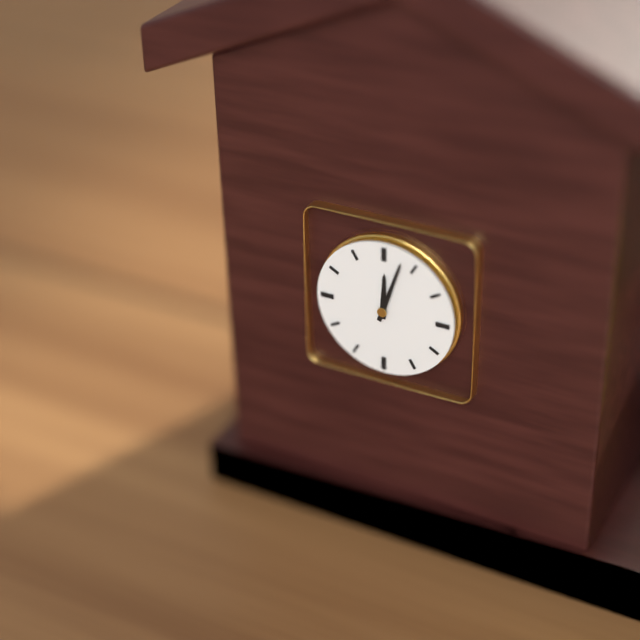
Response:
{"hour": 12, "minute": 3}
